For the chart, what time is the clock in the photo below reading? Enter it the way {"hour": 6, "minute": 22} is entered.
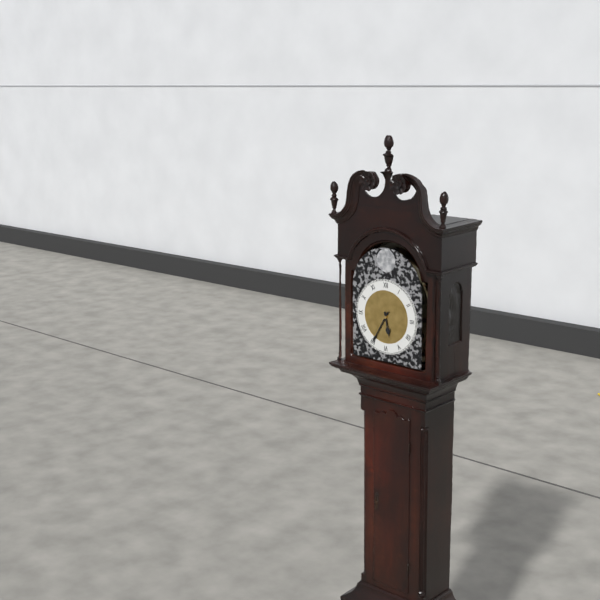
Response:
{"hour": 5, "minute": 35}
